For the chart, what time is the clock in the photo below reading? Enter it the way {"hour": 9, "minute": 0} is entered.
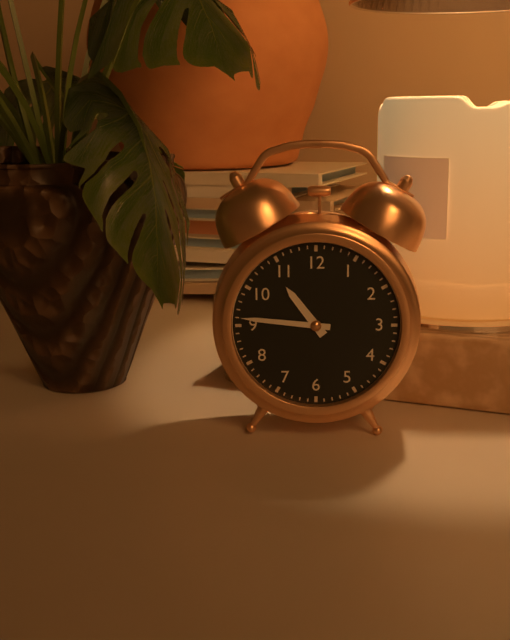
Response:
{"hour": 10, "minute": 46}
